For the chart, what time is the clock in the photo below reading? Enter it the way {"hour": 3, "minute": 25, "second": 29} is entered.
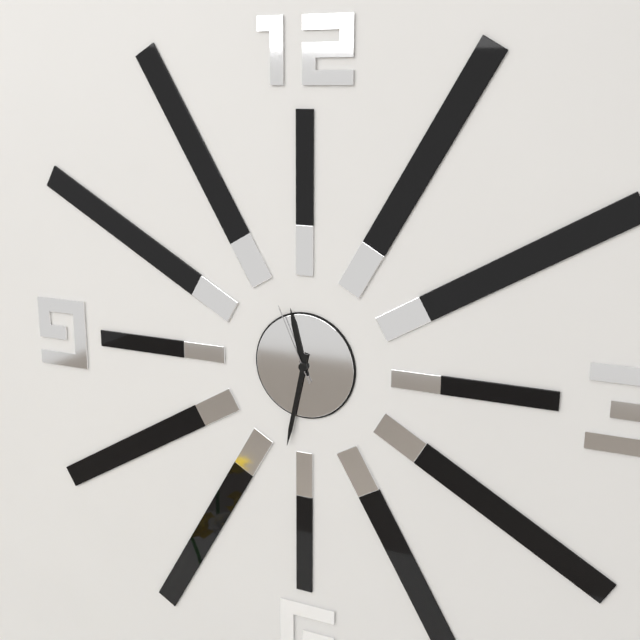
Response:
{"hour": 11, "minute": 32, "second": 56}
